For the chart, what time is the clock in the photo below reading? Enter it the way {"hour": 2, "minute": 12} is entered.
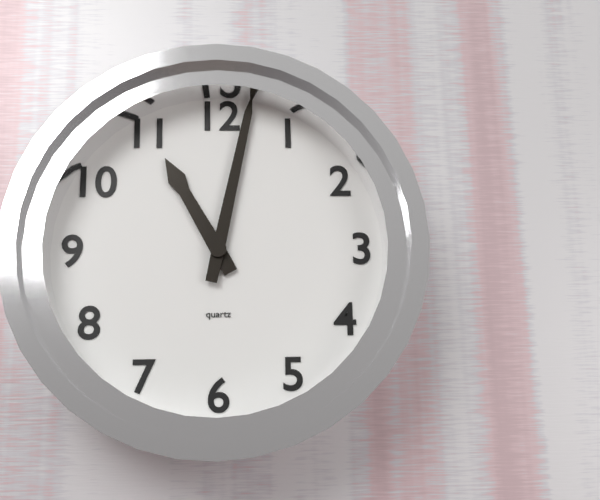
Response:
{"hour": 11, "minute": 2}
